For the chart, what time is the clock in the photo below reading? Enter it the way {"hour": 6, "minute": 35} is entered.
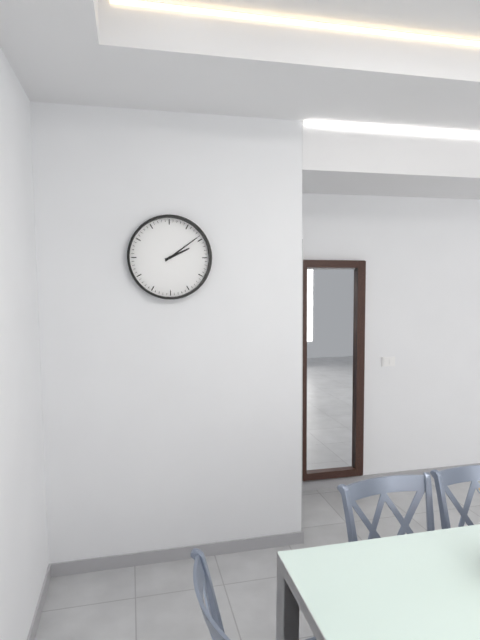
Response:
{"hour": 2, "minute": 9}
